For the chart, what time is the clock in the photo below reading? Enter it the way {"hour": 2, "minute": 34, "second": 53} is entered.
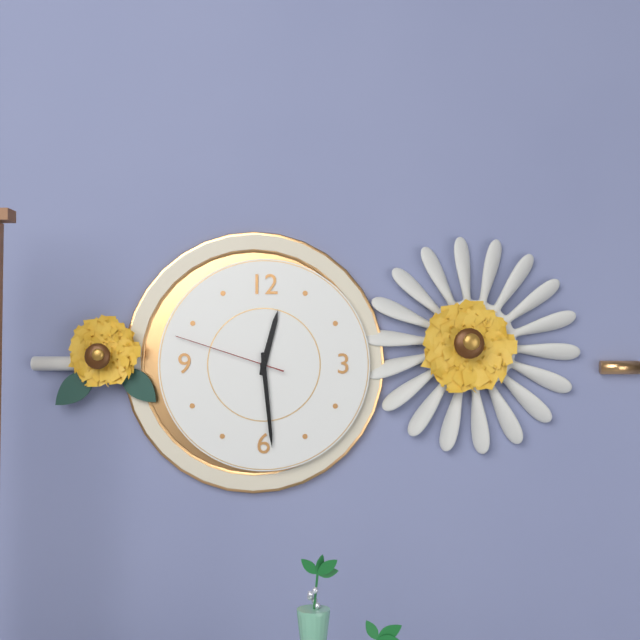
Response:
{"hour": 12, "minute": 29, "second": 48}
